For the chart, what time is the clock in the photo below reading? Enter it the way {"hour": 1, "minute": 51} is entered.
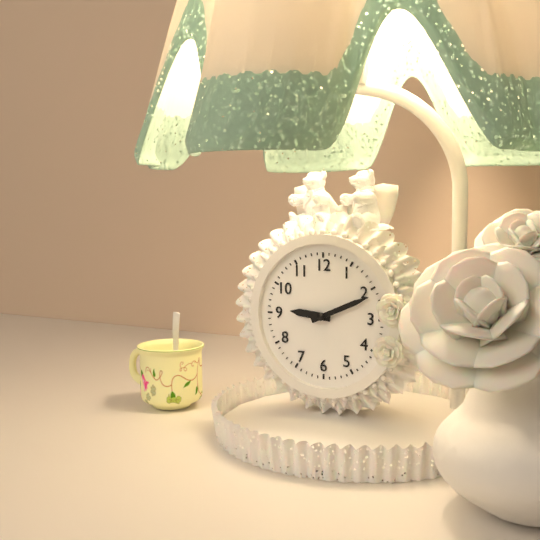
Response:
{"hour": 9, "minute": 11}
